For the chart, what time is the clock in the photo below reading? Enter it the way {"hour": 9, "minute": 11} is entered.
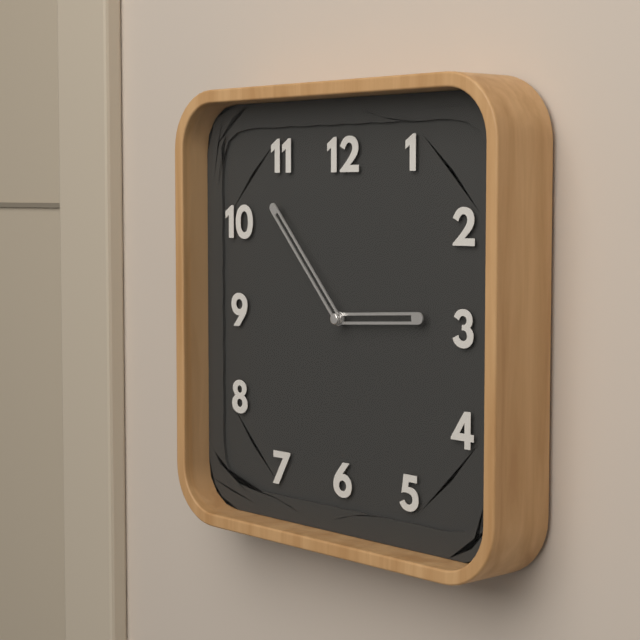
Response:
{"hour": 2, "minute": 53}
